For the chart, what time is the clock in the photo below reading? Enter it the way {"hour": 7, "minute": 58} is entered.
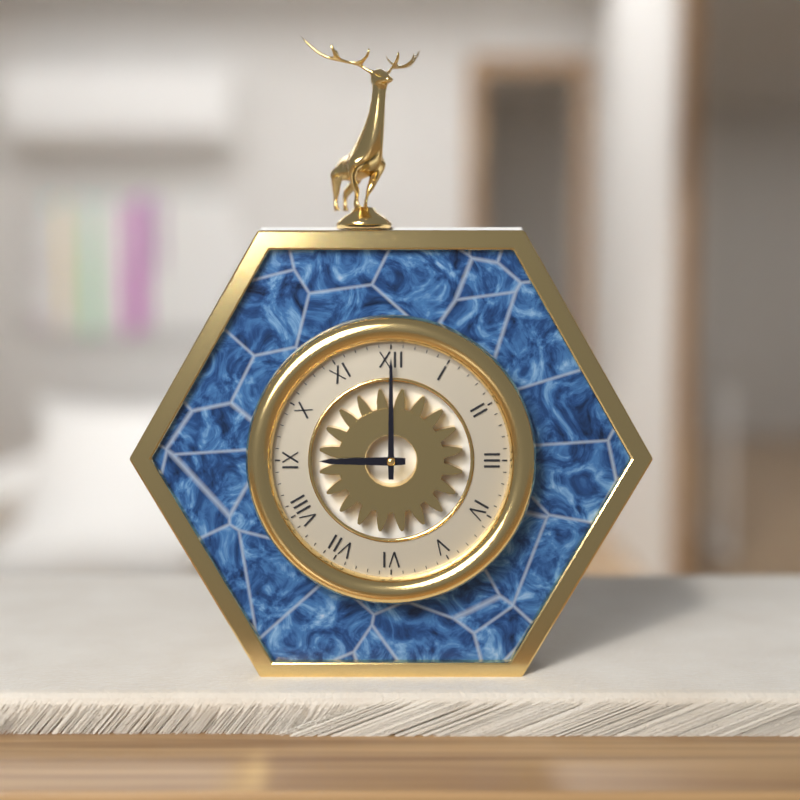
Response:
{"hour": 9, "minute": 0}
